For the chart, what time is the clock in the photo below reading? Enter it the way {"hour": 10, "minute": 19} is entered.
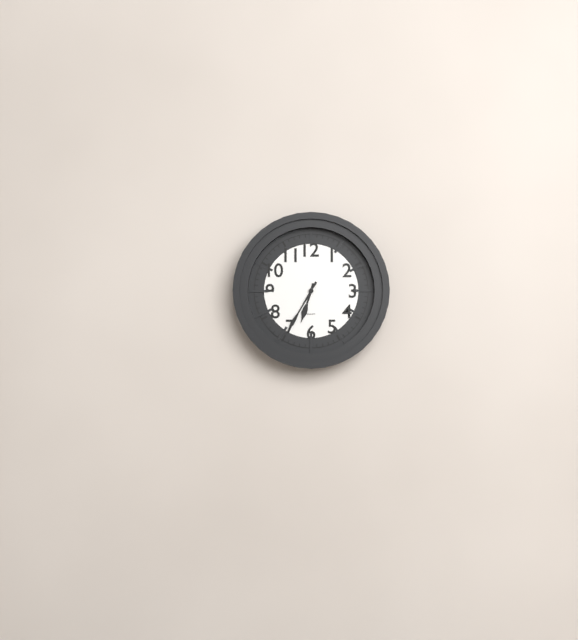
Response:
{"hour": 6, "minute": 35}
